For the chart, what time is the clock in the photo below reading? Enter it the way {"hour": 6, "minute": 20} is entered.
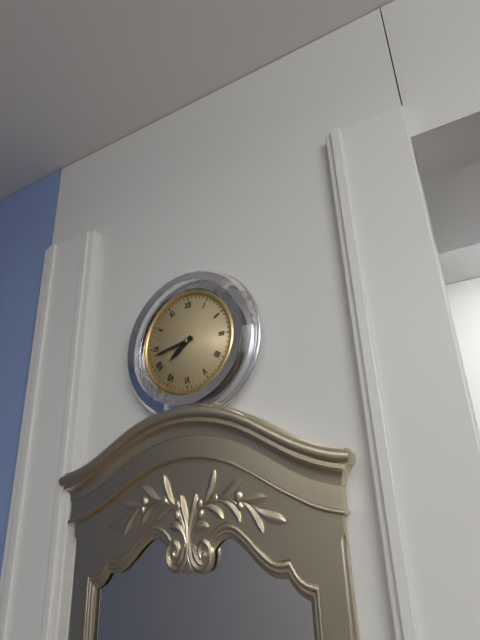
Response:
{"hour": 7, "minute": 43}
